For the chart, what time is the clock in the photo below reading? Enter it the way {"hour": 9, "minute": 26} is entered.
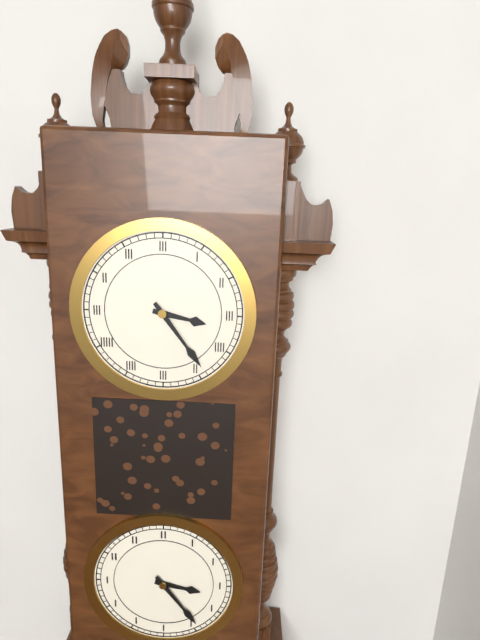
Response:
{"hour": 3, "minute": 24}
